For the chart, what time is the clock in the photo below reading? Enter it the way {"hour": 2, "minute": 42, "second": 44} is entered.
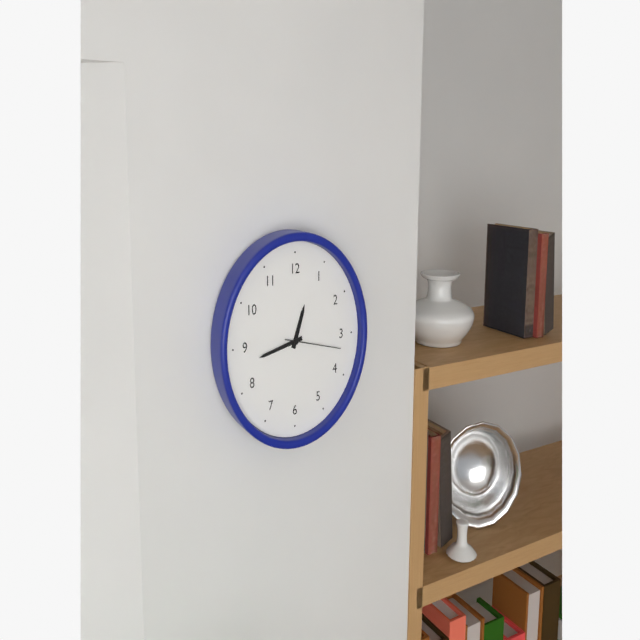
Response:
{"hour": 12, "minute": 43, "second": 17}
